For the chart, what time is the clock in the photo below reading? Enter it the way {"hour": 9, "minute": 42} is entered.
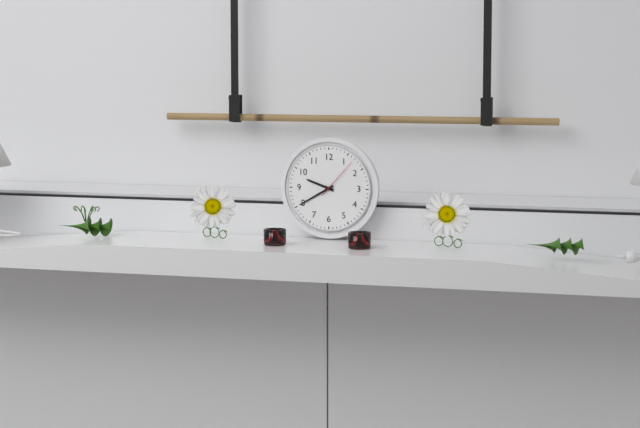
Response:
{"hour": 9, "minute": 40}
